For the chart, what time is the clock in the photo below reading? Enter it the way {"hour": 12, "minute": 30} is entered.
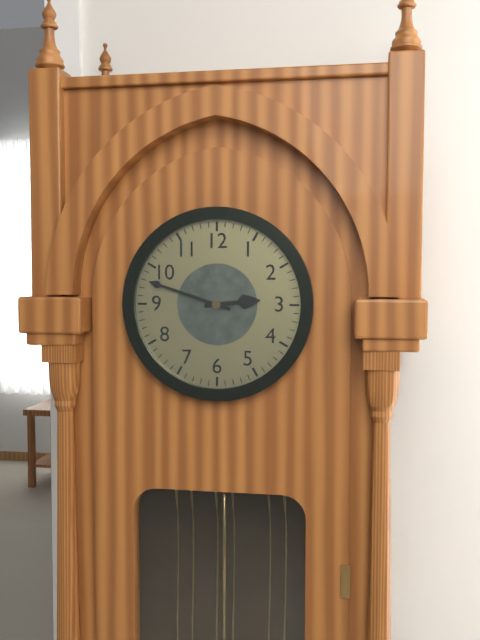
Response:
{"hour": 2, "minute": 48}
